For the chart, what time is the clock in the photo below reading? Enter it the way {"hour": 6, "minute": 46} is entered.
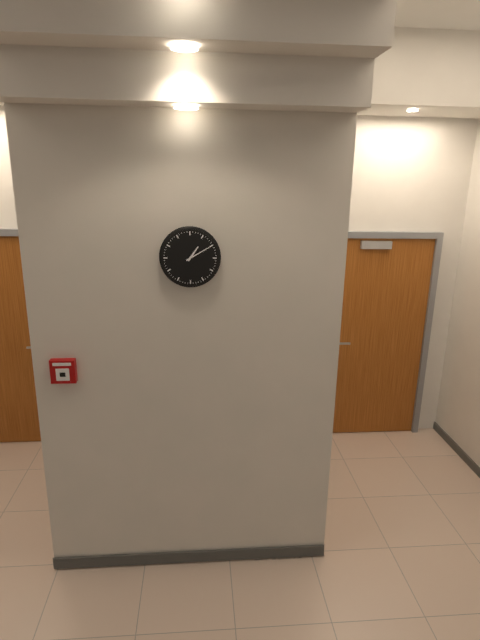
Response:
{"hour": 1, "minute": 10}
